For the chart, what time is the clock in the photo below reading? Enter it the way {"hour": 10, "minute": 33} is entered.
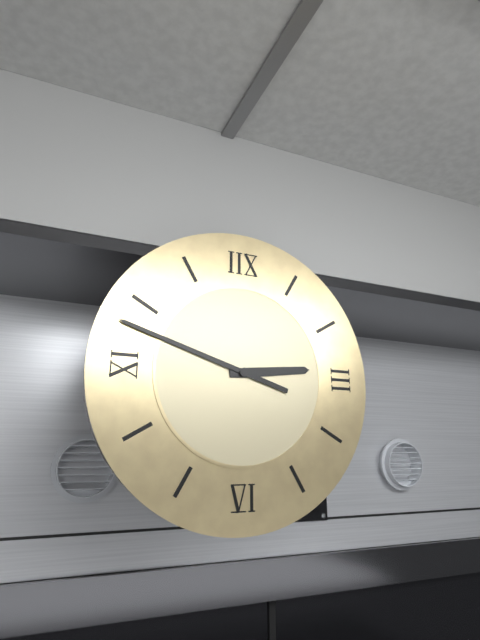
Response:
{"hour": 2, "minute": 48}
